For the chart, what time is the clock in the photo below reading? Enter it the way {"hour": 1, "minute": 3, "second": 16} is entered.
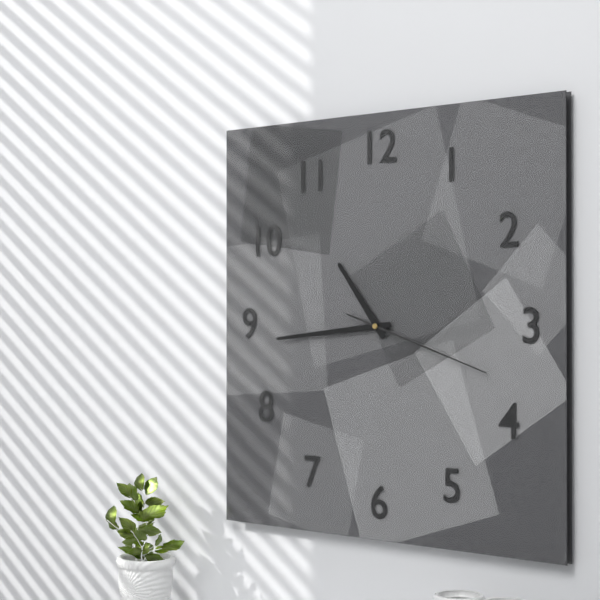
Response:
{"hour": 10, "minute": 44, "second": 18}
